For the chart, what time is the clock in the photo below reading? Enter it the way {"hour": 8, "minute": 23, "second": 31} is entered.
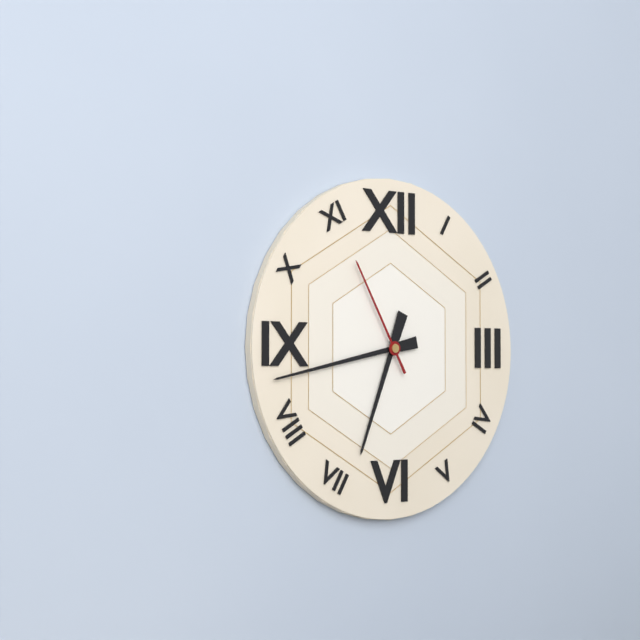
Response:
{"hour": 6, "minute": 43, "second": 55}
